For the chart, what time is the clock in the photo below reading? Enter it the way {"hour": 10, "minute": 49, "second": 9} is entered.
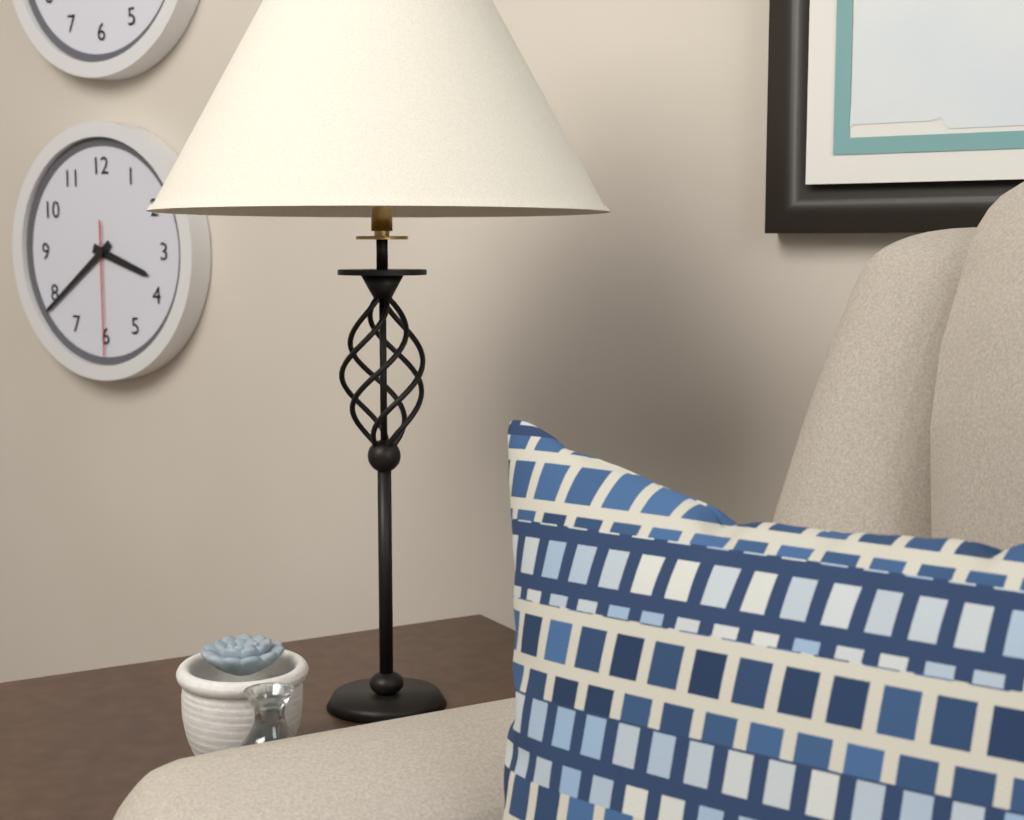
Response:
{"hour": 3, "minute": 39, "second": 30}
